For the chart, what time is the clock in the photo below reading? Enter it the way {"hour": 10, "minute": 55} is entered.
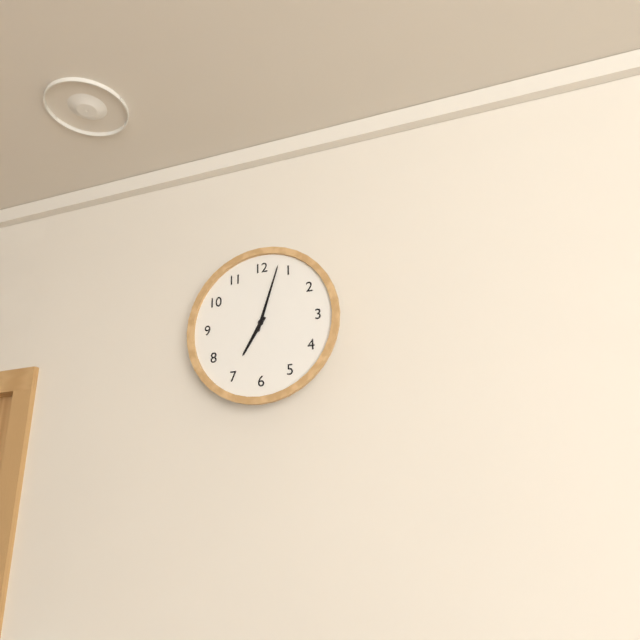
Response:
{"hour": 7, "minute": 3}
